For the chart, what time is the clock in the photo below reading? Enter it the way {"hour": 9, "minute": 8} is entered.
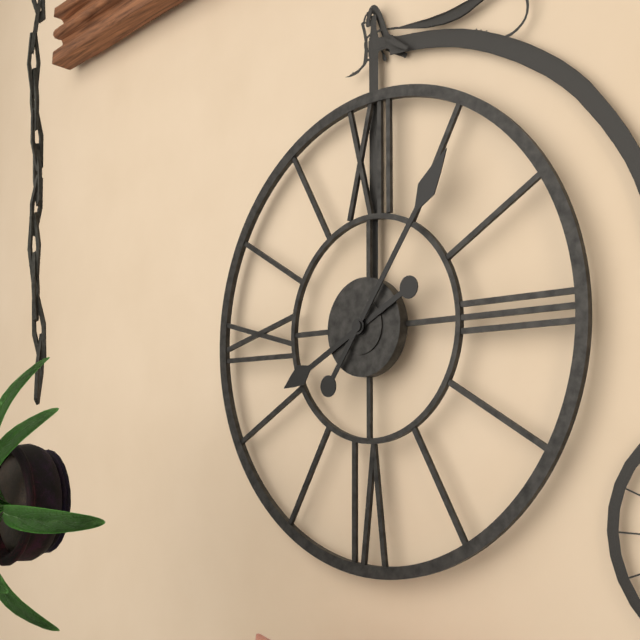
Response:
{"hour": 8, "minute": 6}
